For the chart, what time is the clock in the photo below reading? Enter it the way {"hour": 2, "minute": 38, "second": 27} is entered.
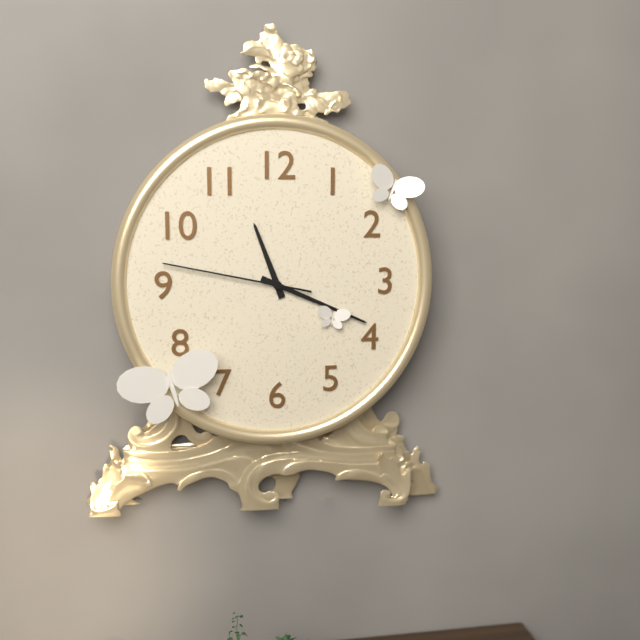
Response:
{"hour": 11, "minute": 19, "second": 47}
